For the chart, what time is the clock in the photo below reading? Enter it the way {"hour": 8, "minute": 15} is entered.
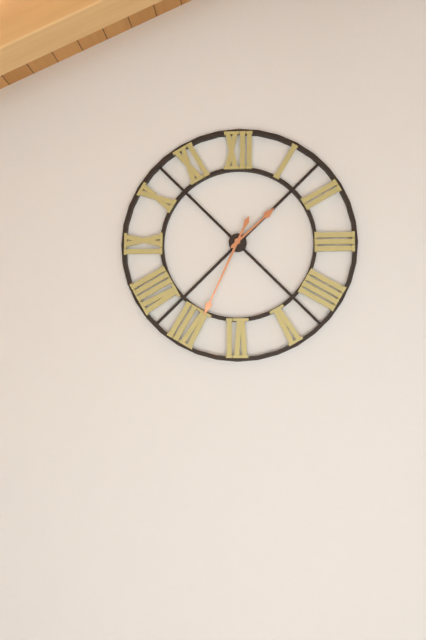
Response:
{"hour": 1, "minute": 34}
